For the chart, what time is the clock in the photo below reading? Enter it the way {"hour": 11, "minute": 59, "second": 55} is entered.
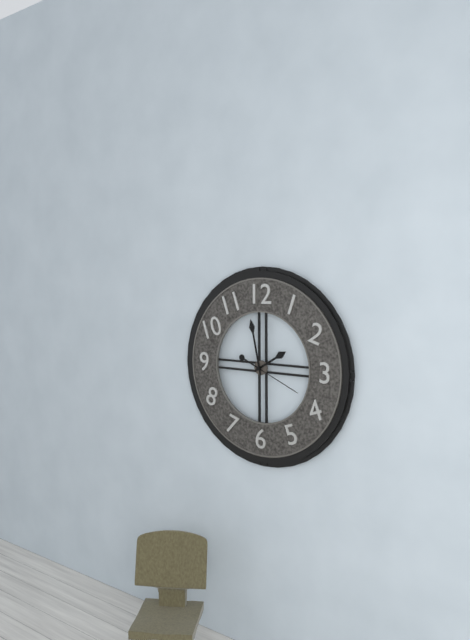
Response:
{"hour": 1, "minute": 58, "second": 19}
